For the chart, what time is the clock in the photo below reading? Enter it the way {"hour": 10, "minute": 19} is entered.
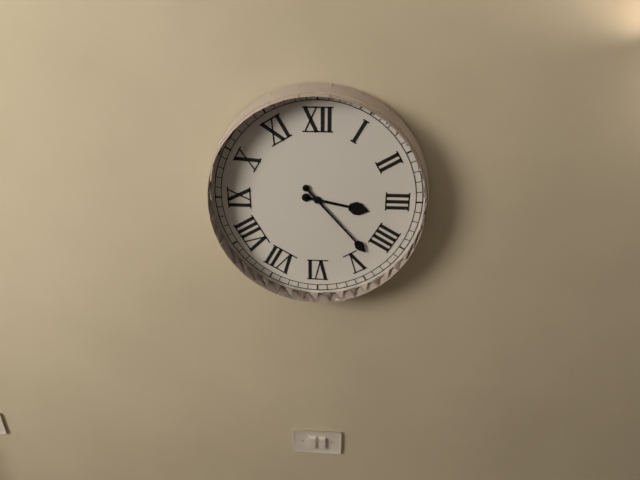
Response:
{"hour": 3, "minute": 23}
